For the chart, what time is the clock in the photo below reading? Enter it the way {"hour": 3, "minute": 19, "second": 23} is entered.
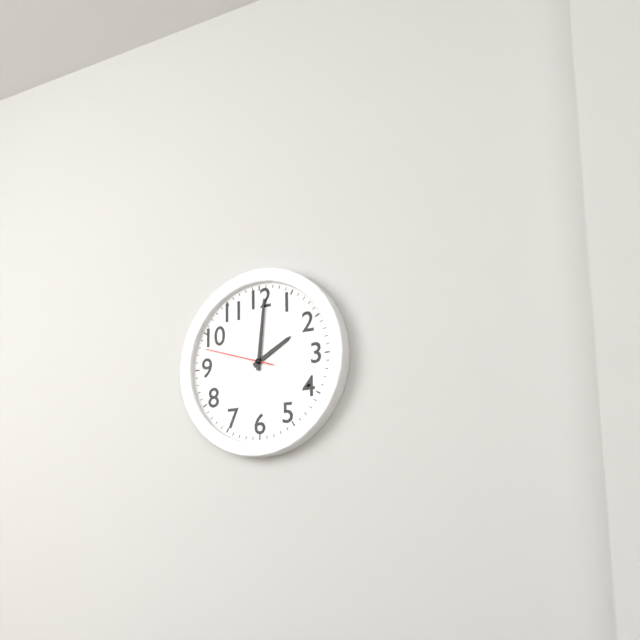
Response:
{"hour": 2, "minute": 1, "second": 48}
